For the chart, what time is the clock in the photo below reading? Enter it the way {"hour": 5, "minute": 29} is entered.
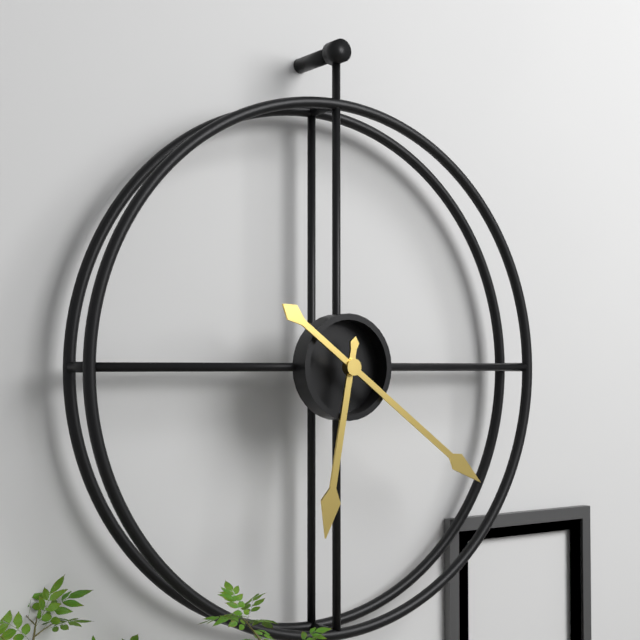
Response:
{"hour": 6, "minute": 21}
